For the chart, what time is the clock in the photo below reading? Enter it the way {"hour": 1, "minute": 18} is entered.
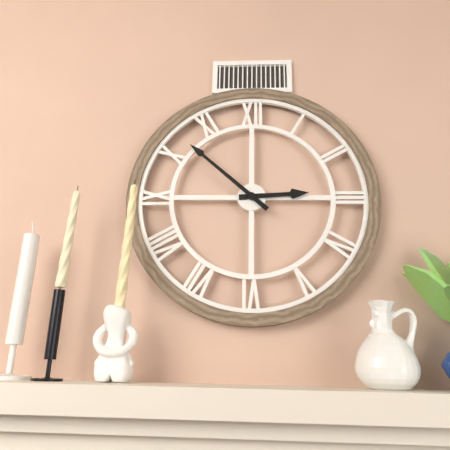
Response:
{"hour": 2, "minute": 52}
